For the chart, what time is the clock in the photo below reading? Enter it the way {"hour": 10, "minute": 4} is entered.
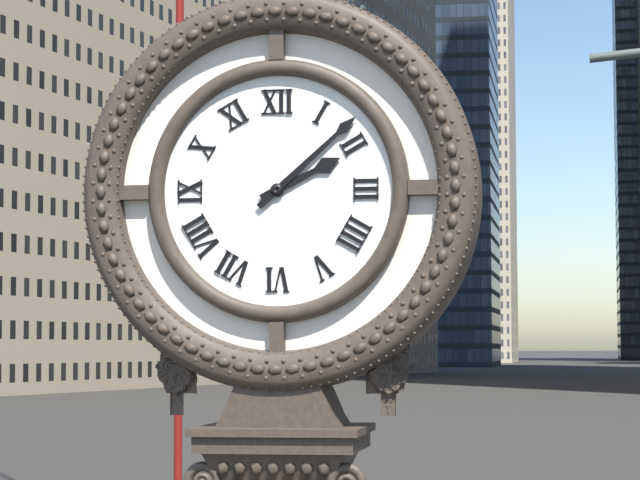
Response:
{"hour": 2, "minute": 8}
